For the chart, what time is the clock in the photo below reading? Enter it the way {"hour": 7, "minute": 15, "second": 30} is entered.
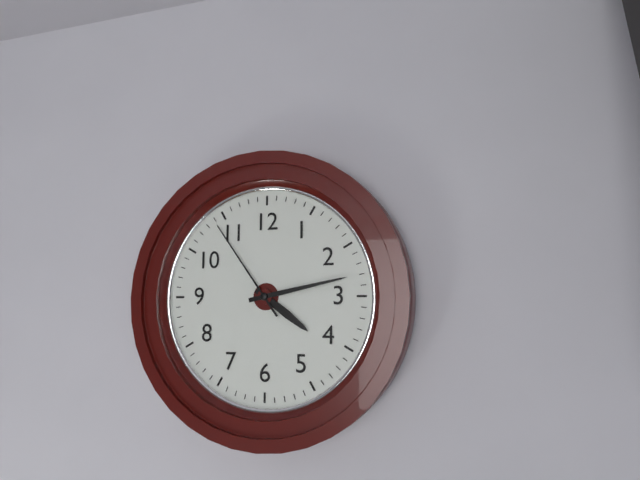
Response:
{"hour": 4, "minute": 13, "second": 54}
